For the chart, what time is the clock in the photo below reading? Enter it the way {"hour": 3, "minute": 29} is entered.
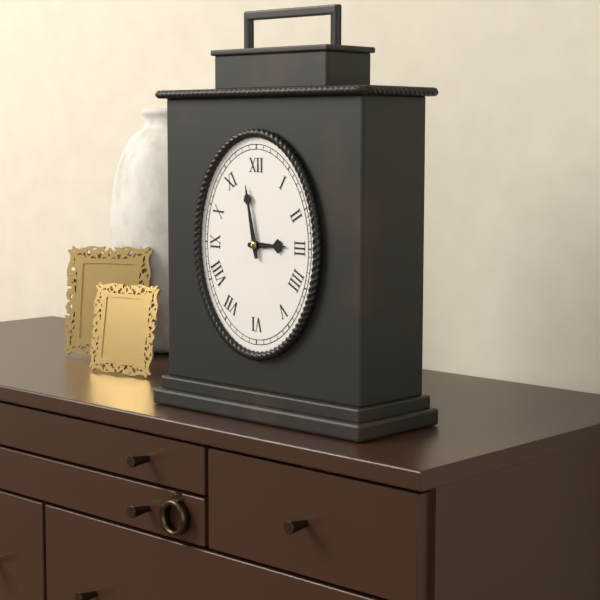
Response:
{"hour": 2, "minute": 58}
